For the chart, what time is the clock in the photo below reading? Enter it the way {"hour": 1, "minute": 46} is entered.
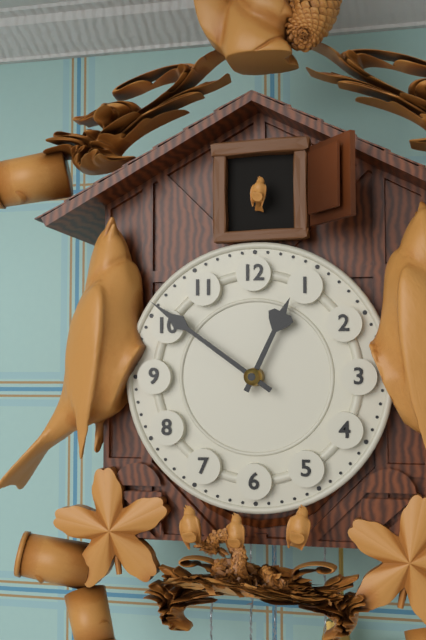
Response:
{"hour": 12, "minute": 51}
